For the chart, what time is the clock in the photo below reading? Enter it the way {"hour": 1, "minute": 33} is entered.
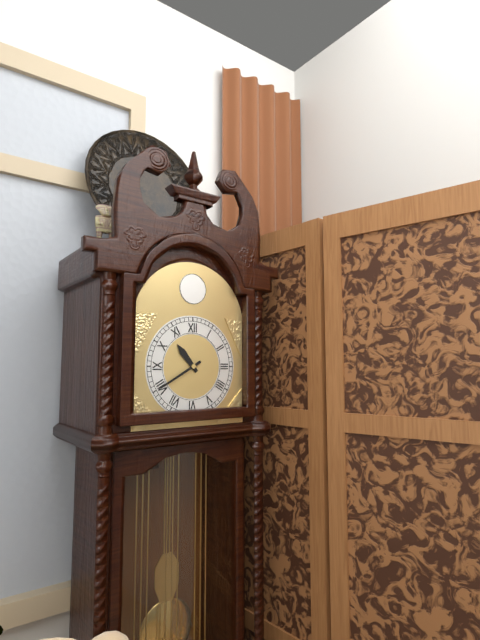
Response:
{"hour": 10, "minute": 40}
